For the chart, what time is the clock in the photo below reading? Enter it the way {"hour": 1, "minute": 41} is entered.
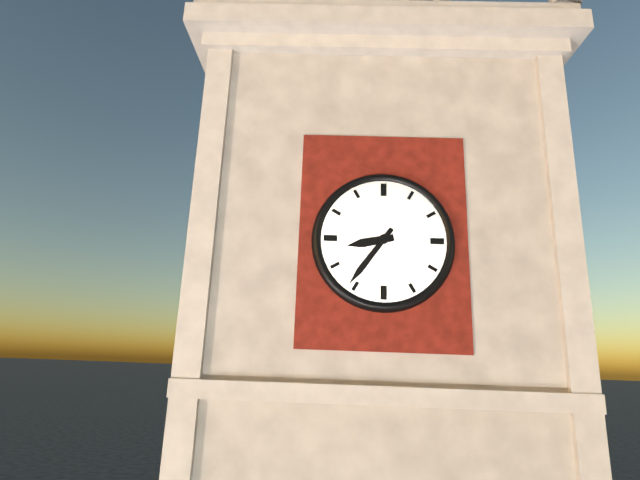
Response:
{"hour": 8, "minute": 36}
